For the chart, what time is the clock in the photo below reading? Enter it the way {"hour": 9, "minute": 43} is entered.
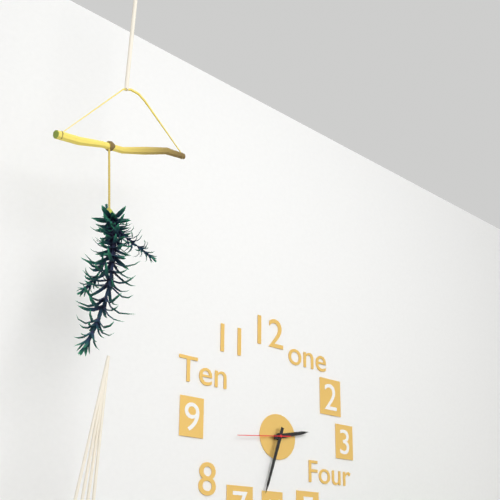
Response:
{"hour": 2, "minute": 33}
